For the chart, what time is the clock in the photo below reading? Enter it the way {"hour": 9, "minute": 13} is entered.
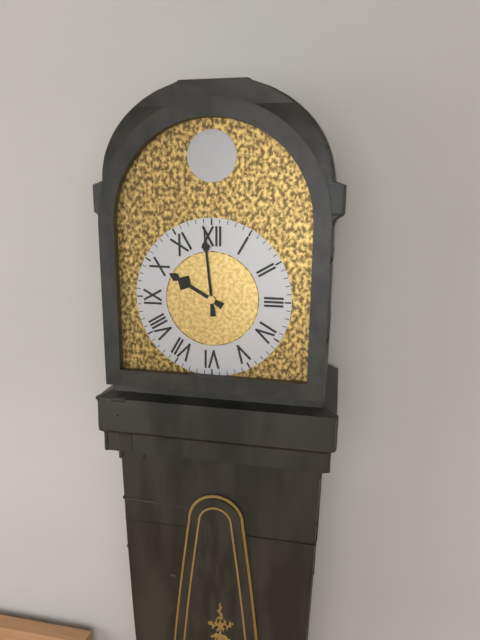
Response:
{"hour": 9, "minute": 59}
